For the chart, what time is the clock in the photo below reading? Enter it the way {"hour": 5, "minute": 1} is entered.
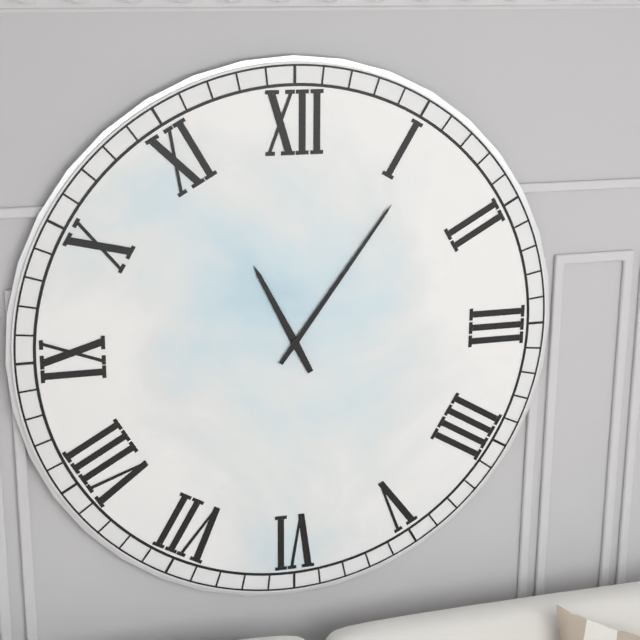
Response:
{"hour": 11, "minute": 6}
